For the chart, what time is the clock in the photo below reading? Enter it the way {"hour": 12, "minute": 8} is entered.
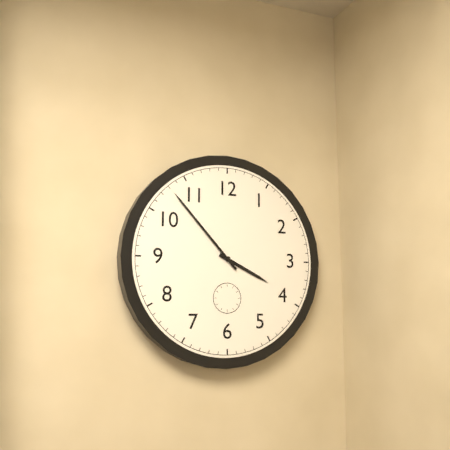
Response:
{"hour": 3, "minute": 53}
